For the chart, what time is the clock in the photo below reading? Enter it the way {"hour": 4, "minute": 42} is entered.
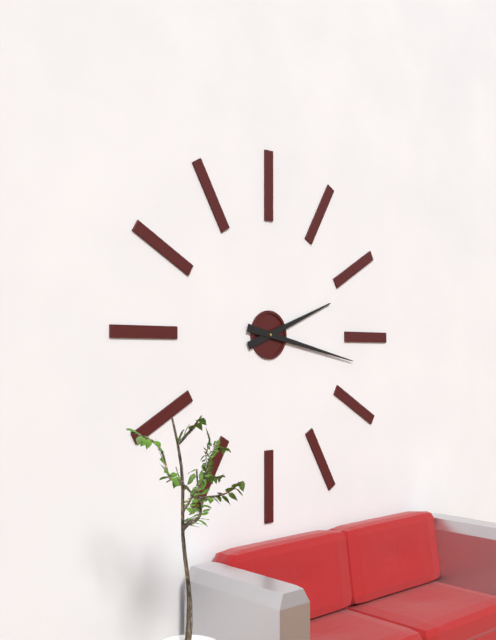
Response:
{"hour": 2, "minute": 17}
